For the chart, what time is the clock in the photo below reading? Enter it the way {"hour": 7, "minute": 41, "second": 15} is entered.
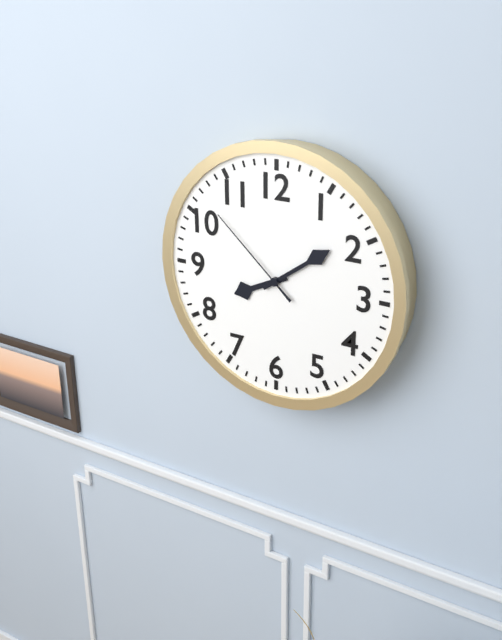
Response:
{"hour": 8, "minute": 9, "second": 52}
